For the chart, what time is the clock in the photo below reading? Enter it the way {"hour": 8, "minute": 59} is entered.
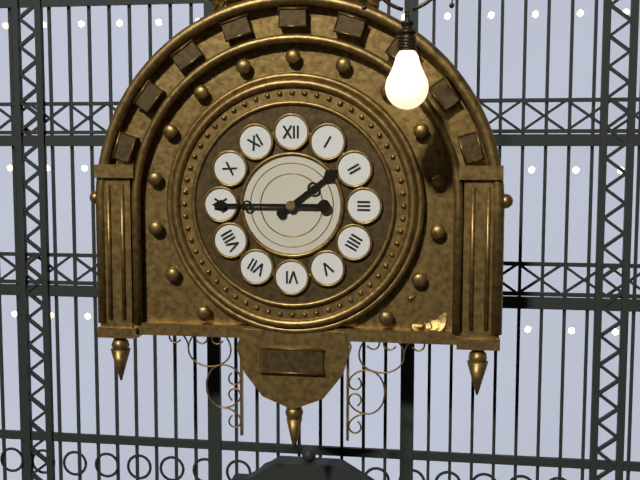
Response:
{"hour": 1, "minute": 45}
